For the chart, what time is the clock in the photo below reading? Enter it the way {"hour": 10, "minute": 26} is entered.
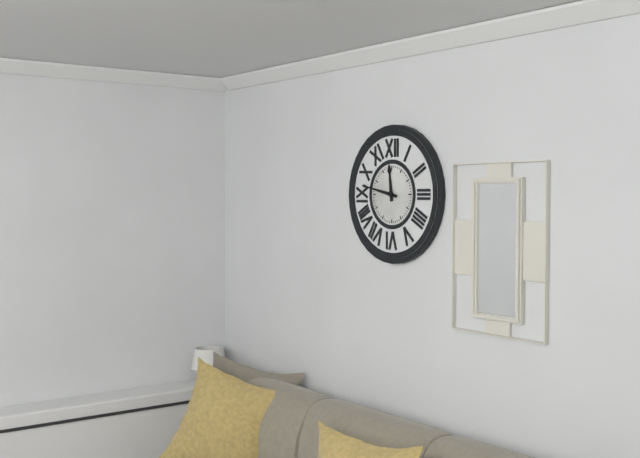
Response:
{"hour": 11, "minute": 47}
